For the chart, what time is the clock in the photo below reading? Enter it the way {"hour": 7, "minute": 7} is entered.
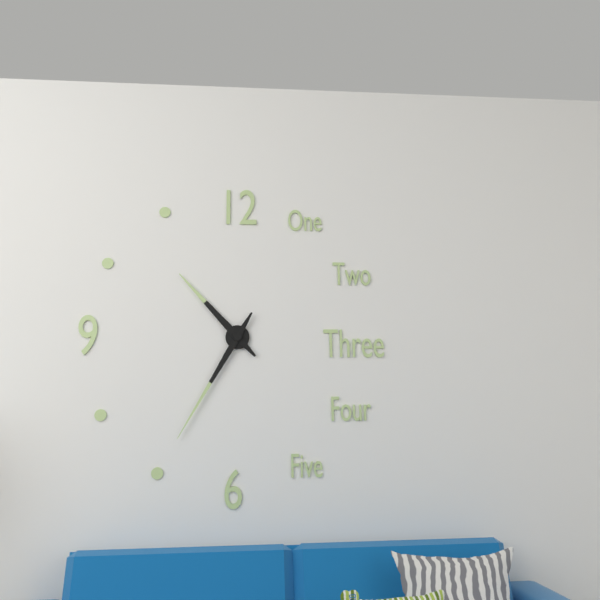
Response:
{"hour": 10, "minute": 35}
